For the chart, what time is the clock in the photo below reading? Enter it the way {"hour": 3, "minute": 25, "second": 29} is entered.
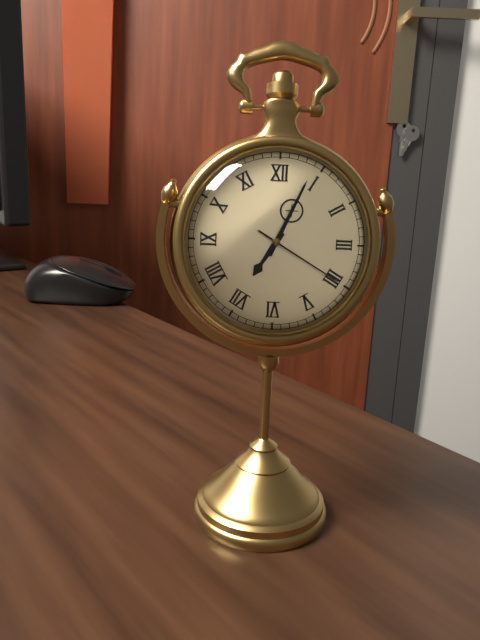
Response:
{"hour": 7, "minute": 4, "second": 20}
